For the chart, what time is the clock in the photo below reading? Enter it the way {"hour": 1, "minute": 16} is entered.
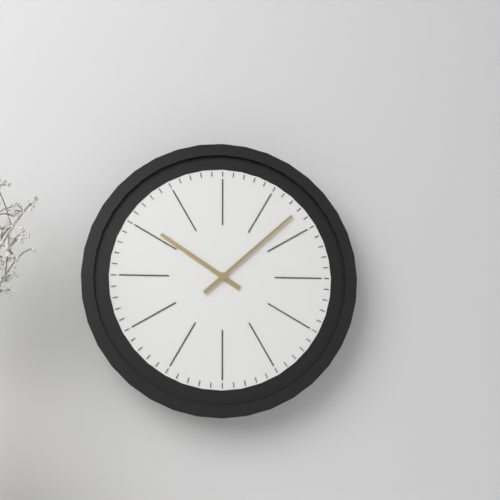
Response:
{"hour": 10, "minute": 8}
